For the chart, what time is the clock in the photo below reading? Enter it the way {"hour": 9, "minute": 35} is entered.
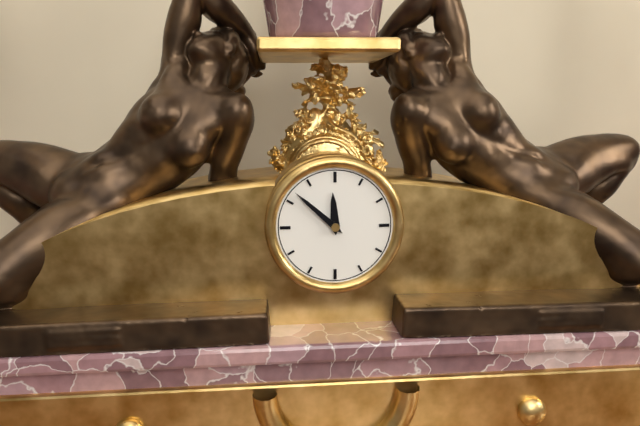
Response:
{"hour": 11, "minute": 52}
